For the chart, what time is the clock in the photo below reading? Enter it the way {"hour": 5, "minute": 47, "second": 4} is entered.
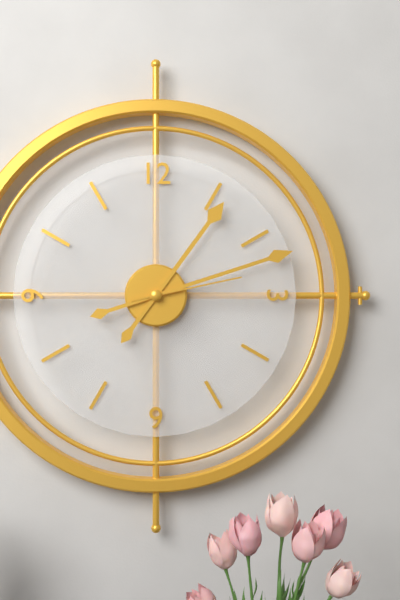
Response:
{"hour": 1, "minute": 12, "second": 13}
